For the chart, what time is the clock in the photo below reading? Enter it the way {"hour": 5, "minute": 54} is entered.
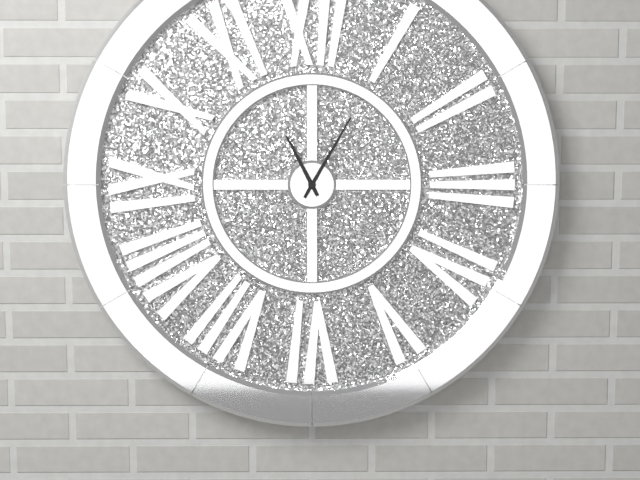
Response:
{"hour": 11, "minute": 5}
